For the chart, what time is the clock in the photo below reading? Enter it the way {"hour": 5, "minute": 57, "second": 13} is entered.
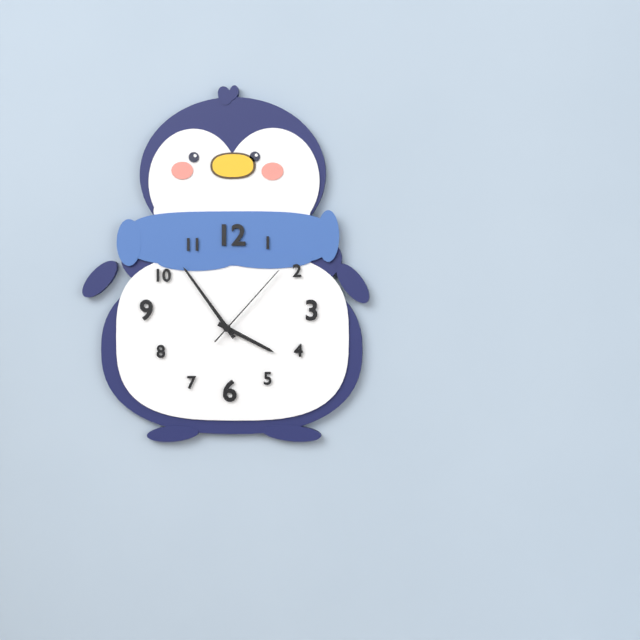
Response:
{"hour": 3, "minute": 54, "second": 7}
